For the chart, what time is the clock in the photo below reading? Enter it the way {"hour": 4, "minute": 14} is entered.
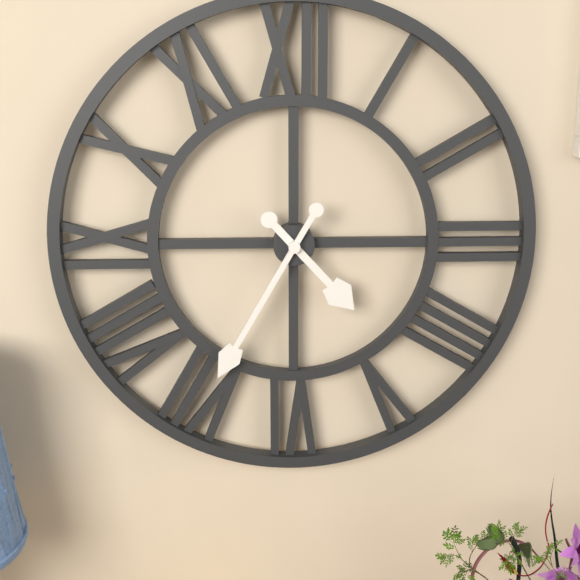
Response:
{"hour": 4, "minute": 35}
